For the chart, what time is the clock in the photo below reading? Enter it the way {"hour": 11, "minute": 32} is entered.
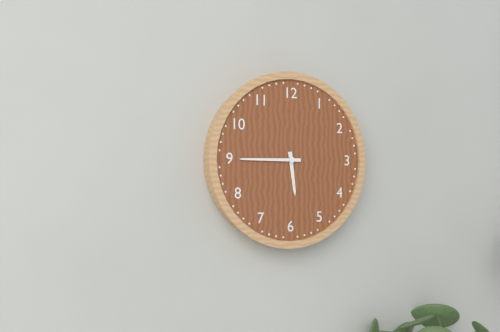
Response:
{"hour": 5, "minute": 45}
